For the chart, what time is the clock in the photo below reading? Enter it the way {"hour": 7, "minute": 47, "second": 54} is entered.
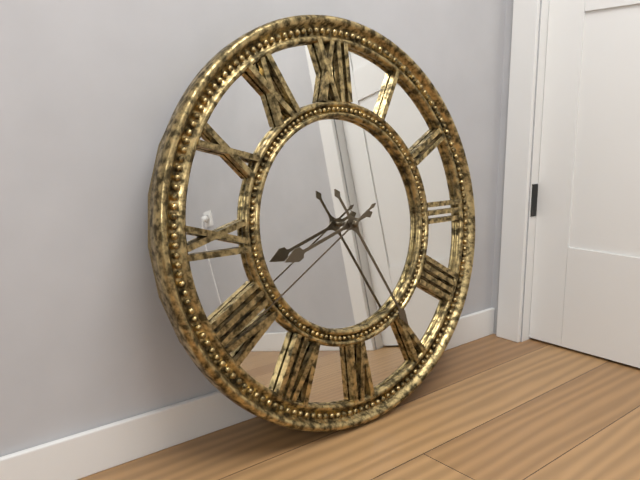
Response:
{"hour": 8, "minute": 25, "second": 40}
